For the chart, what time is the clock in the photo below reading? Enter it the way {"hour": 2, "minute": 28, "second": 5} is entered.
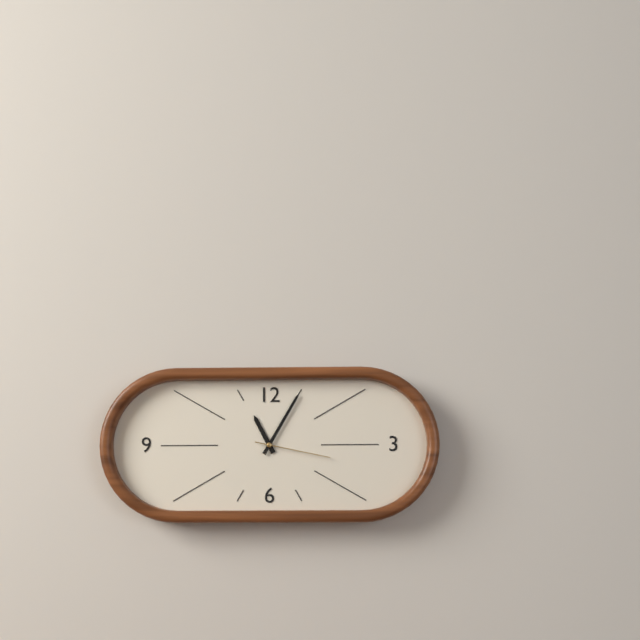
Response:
{"hour": 11, "minute": 5, "second": 17}
